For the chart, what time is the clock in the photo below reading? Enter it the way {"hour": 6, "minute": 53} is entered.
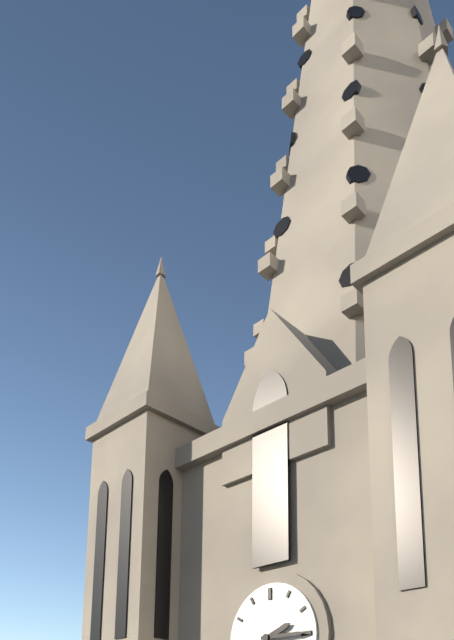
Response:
{"hour": 2, "minute": 15}
